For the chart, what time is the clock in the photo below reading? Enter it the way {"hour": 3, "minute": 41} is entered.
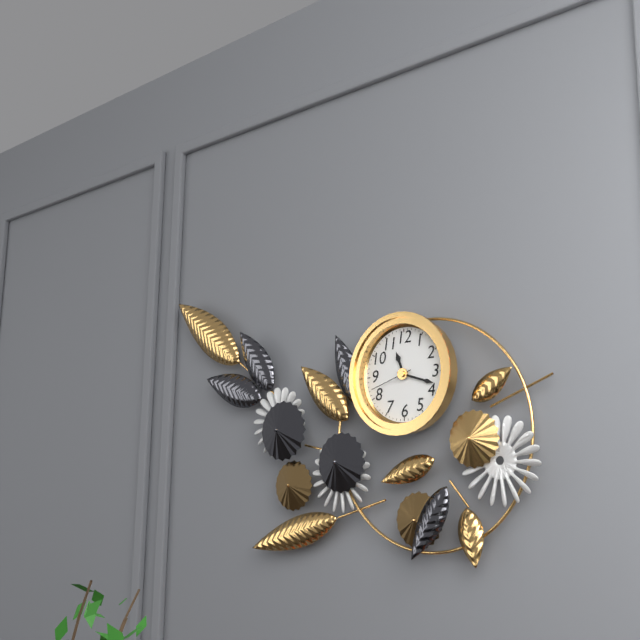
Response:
{"hour": 11, "minute": 18}
